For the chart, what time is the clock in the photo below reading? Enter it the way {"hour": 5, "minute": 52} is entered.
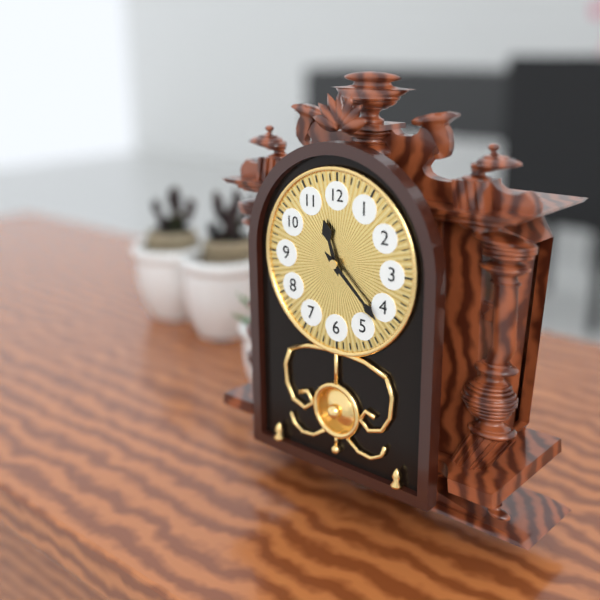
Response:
{"hour": 11, "minute": 22}
